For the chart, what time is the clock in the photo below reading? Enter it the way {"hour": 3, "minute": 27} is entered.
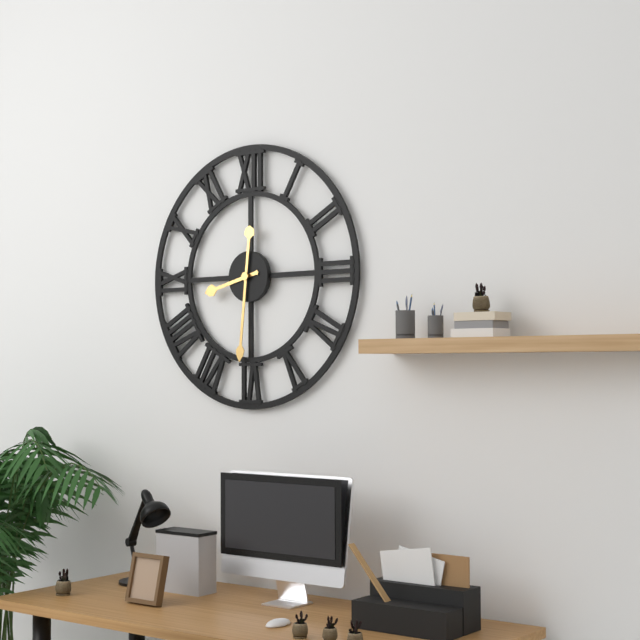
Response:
{"hour": 8, "minute": 31}
